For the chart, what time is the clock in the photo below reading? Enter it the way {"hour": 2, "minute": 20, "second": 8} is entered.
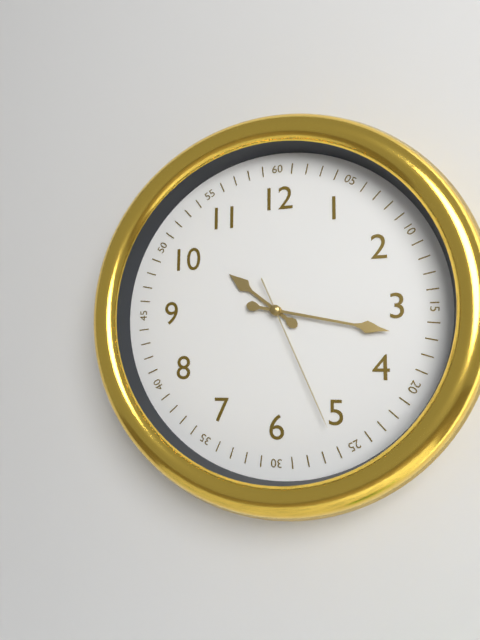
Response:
{"hour": 10, "minute": 17, "second": 26}
